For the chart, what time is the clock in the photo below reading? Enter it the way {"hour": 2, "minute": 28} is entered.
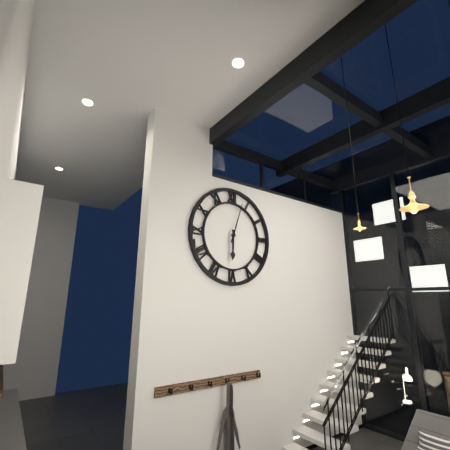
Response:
{"hour": 6, "minute": 3}
